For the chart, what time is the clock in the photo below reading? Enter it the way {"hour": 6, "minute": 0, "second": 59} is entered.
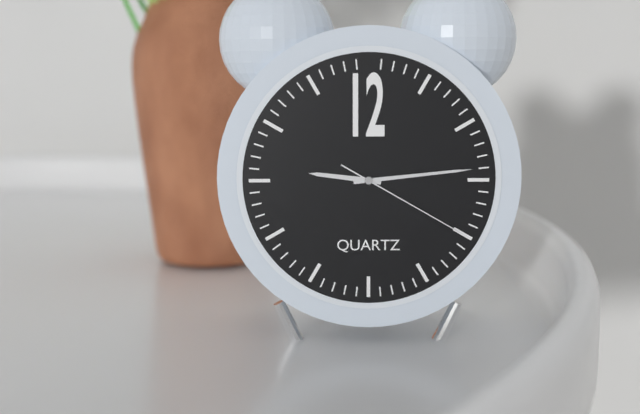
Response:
{"hour": 9, "minute": 14, "second": 20}
